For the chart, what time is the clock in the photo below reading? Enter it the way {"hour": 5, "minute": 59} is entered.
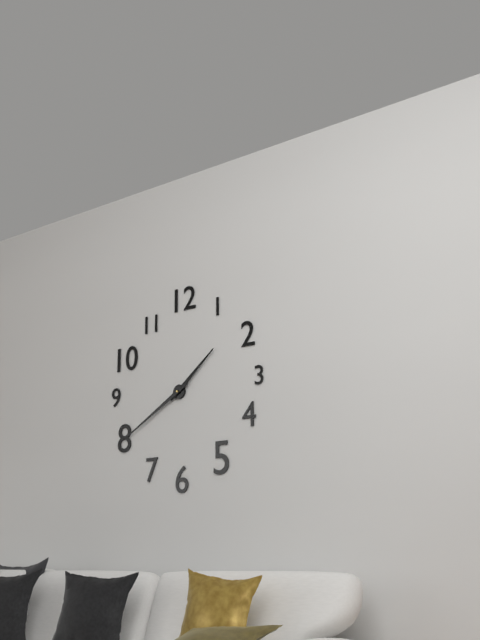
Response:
{"hour": 1, "minute": 40}
